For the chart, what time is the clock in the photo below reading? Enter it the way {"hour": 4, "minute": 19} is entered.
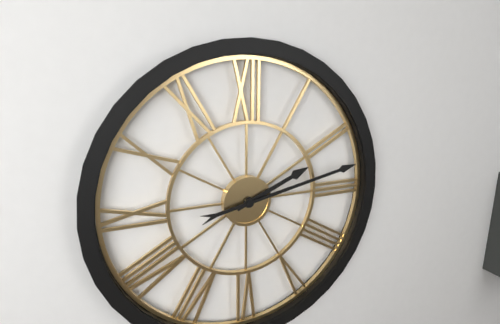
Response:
{"hour": 2, "minute": 13}
